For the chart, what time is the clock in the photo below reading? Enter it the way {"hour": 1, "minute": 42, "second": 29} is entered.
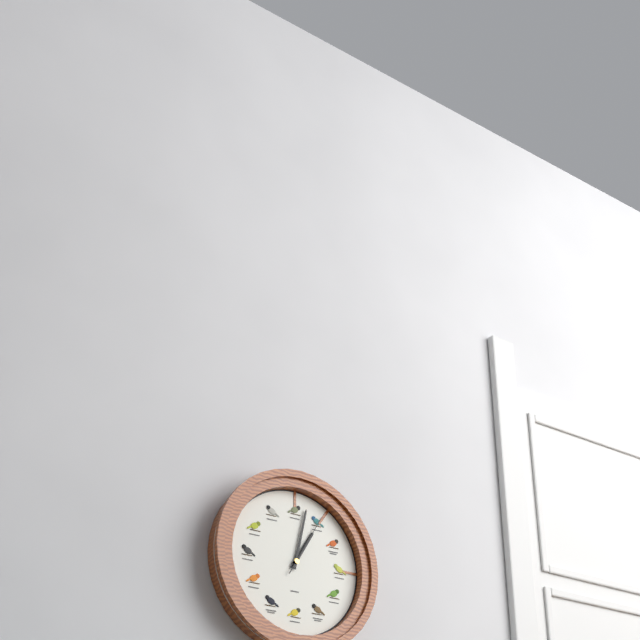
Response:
{"hour": 1, "minute": 2, "second": 5}
